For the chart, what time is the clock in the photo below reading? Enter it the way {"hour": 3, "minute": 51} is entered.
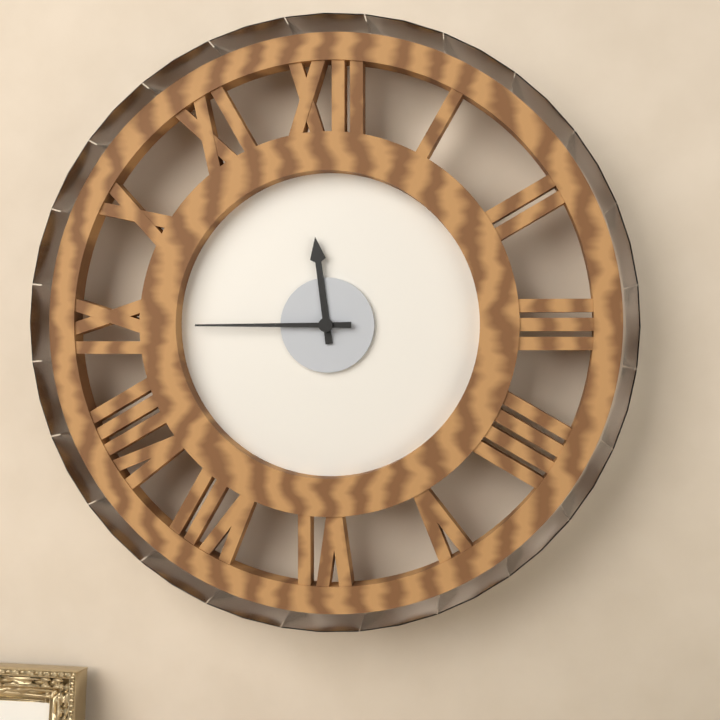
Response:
{"hour": 11, "minute": 45}
